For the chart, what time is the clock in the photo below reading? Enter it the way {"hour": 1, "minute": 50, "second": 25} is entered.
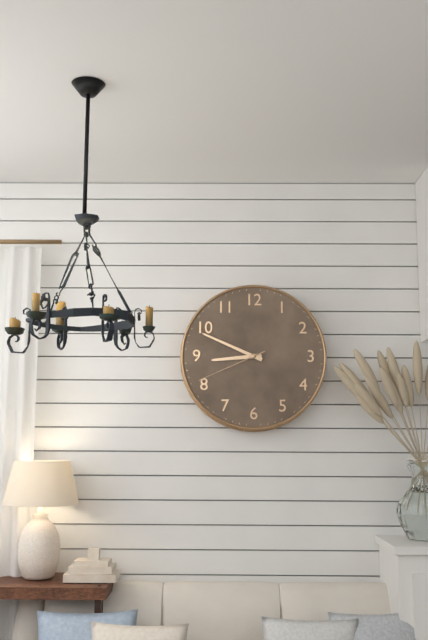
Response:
{"hour": 8, "minute": 49, "second": 41}
